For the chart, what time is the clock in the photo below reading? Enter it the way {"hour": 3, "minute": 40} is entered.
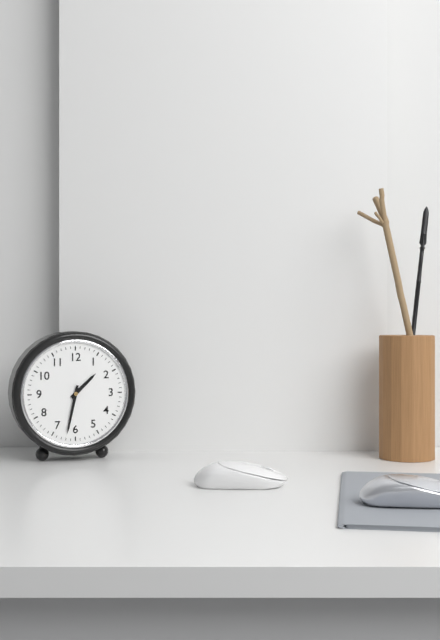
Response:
{"hour": 1, "minute": 32}
